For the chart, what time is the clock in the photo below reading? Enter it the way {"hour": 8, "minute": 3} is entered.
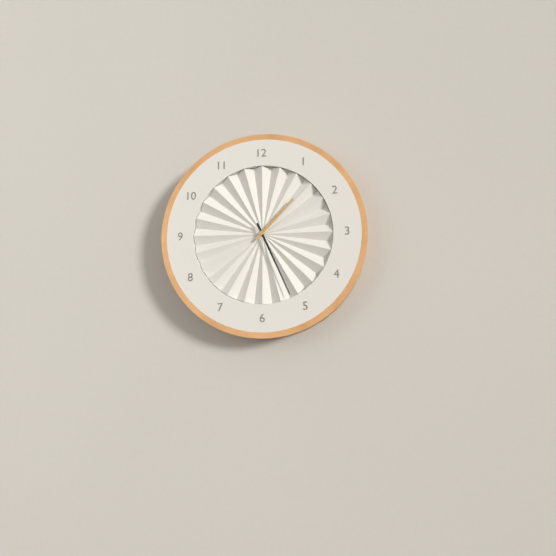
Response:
{"hour": 1, "minute": 26}
